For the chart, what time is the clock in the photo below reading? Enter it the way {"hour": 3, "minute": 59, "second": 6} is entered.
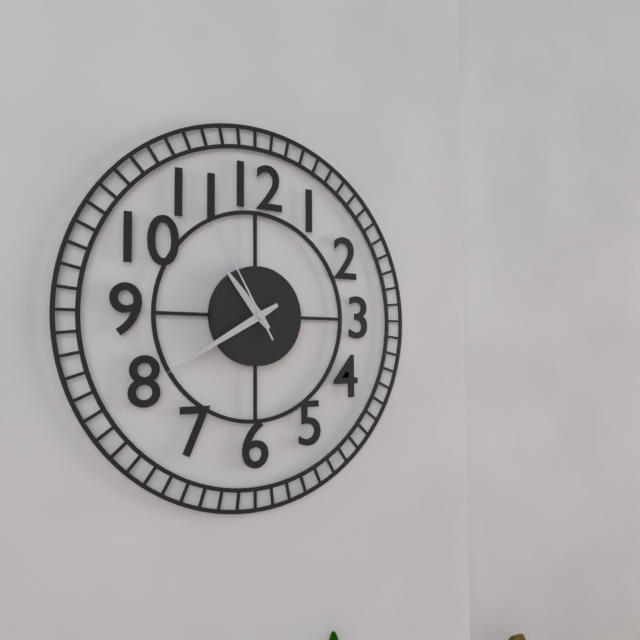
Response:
{"hour": 10, "minute": 40, "second": 55}
